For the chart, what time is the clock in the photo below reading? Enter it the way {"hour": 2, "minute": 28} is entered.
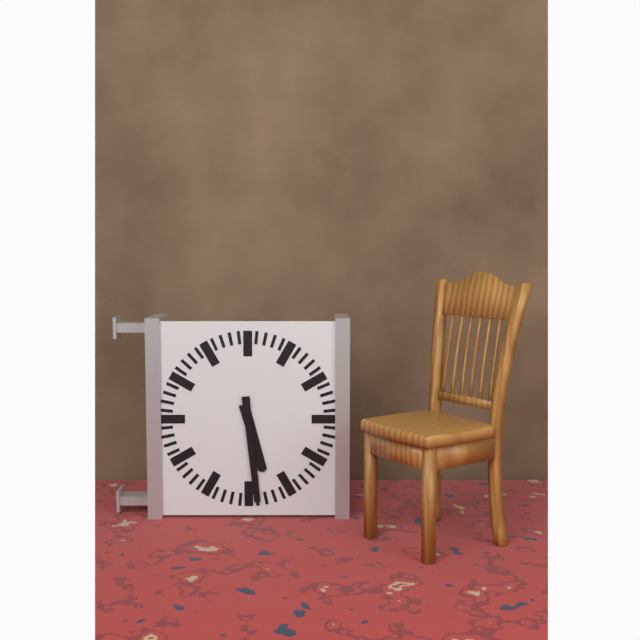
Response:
{"hour": 5, "minute": 29}
